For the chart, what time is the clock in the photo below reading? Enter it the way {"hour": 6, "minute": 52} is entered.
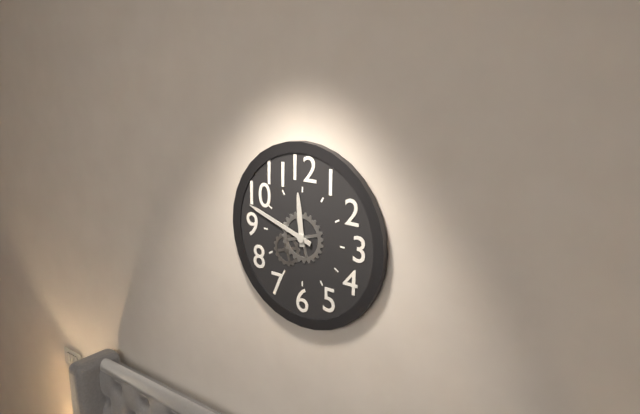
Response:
{"hour": 11, "minute": 48}
